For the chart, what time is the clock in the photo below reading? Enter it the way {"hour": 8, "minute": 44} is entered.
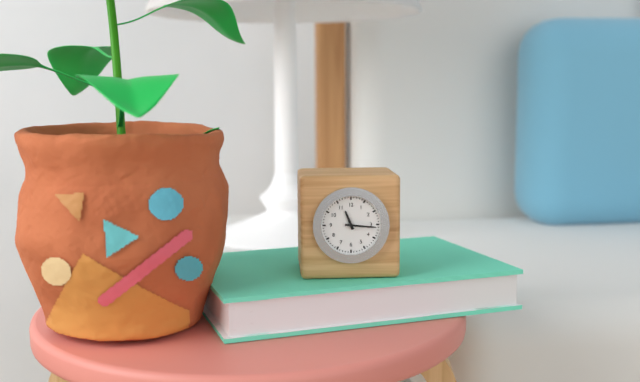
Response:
{"hour": 11, "minute": 16}
